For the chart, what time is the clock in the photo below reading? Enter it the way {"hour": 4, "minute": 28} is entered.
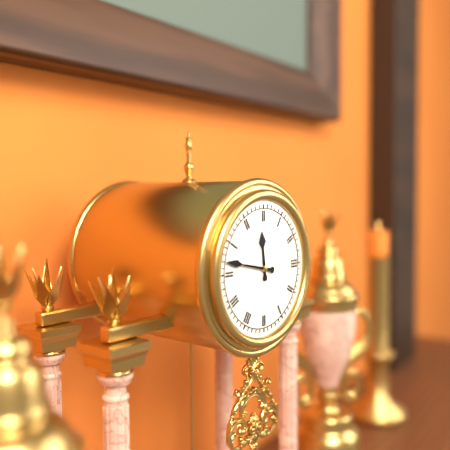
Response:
{"hour": 11, "minute": 47}
